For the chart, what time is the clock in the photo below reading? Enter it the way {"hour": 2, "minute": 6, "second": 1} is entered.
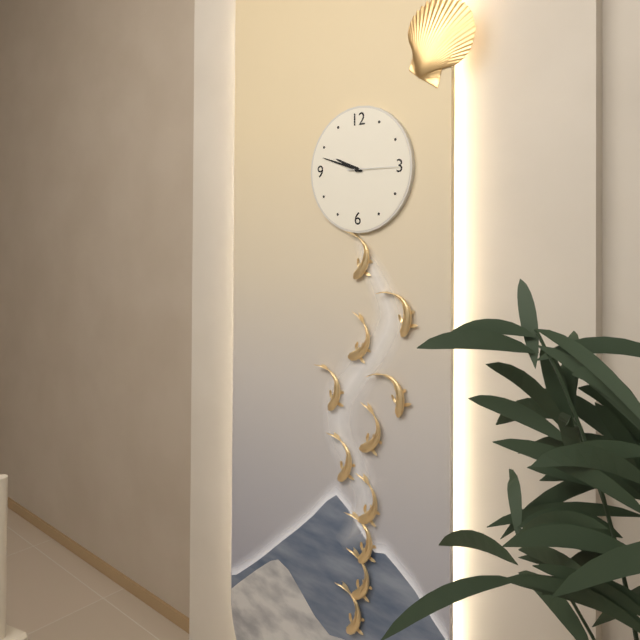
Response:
{"hour": 9, "minute": 48, "second": 15}
